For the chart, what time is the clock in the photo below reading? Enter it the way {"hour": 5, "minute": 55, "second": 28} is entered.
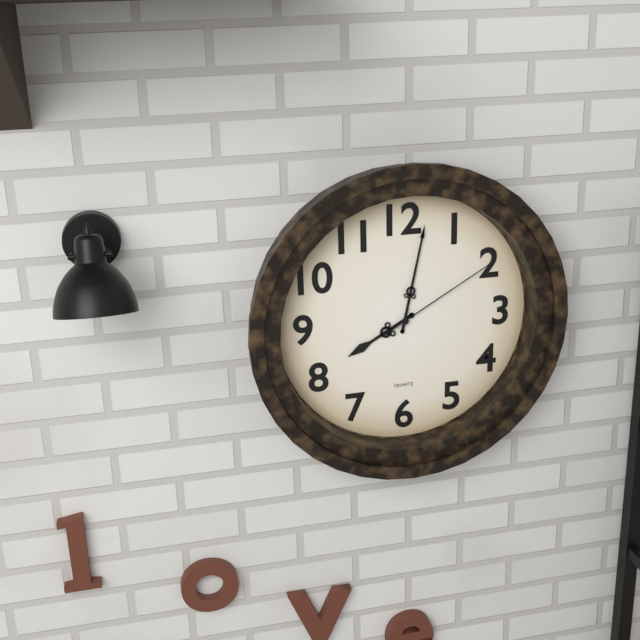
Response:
{"hour": 8, "minute": 2, "second": 10}
